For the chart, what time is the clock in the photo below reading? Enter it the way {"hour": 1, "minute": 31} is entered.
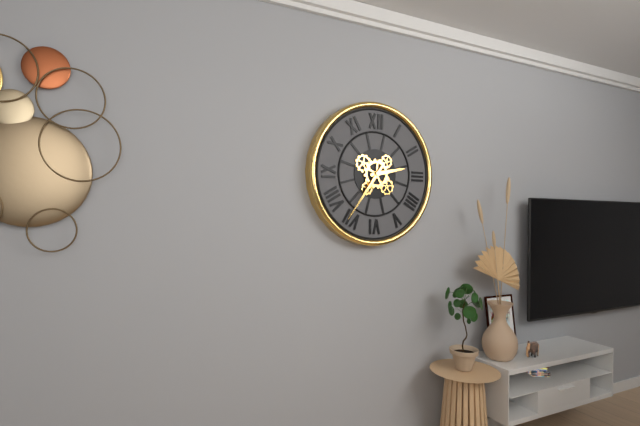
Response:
{"hour": 2, "minute": 36}
